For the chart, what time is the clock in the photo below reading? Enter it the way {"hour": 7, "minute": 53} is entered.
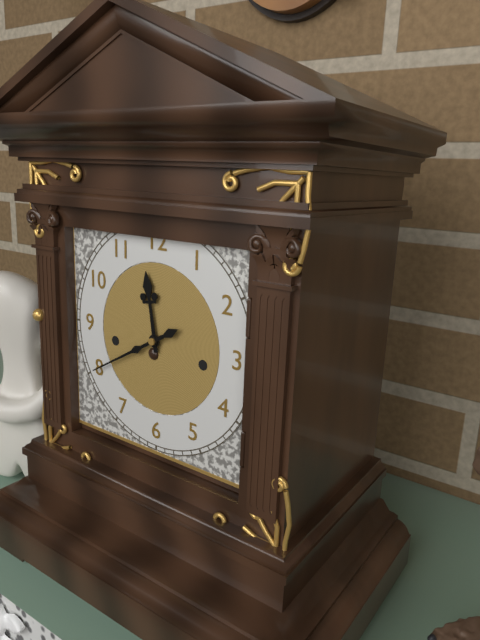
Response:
{"hour": 11, "minute": 40}
